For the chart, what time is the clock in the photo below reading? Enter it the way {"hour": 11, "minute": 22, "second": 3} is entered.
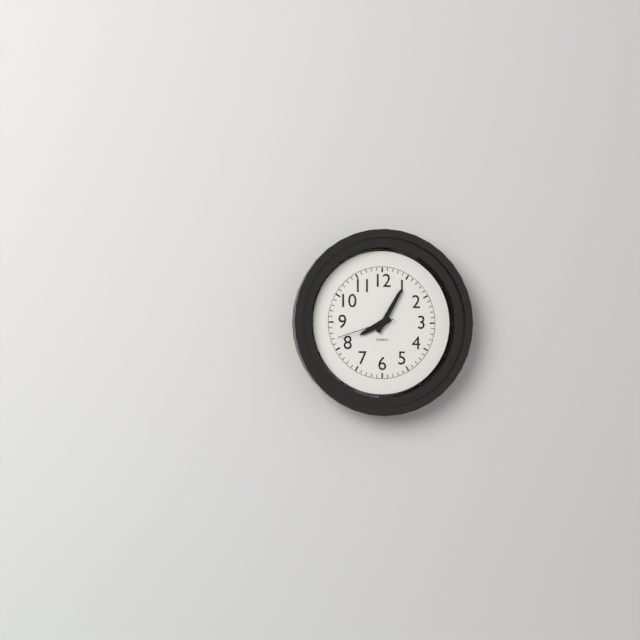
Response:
{"hour": 8, "minute": 5, "second": 42}
